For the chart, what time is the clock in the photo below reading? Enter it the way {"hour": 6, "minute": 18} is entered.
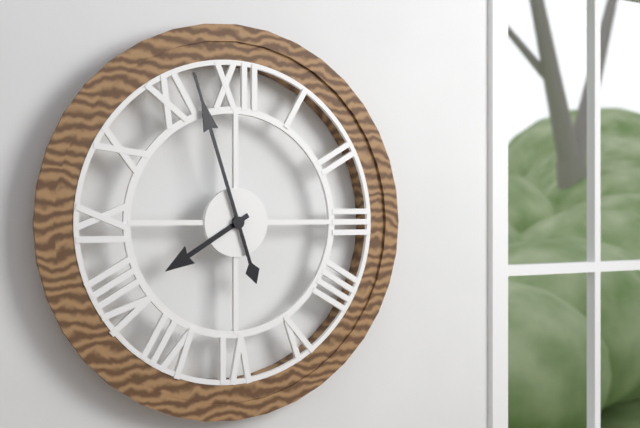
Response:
{"hour": 7, "minute": 57}
